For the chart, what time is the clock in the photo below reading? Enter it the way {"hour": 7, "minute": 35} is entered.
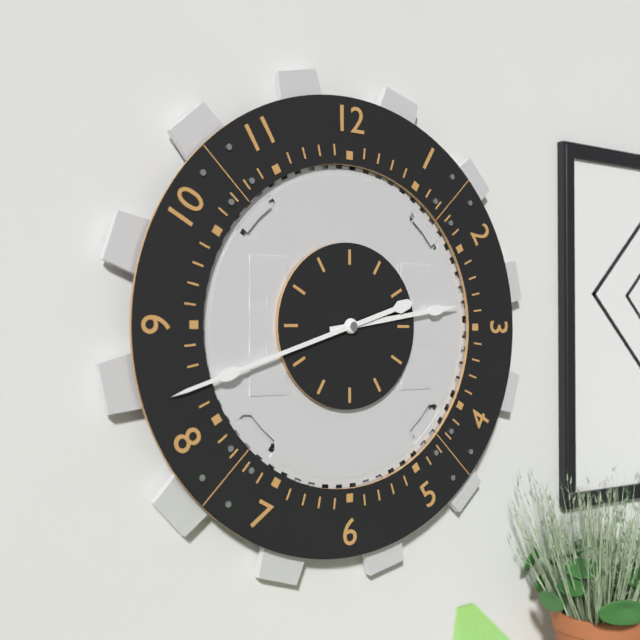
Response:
{"hour": 2, "minute": 42}
